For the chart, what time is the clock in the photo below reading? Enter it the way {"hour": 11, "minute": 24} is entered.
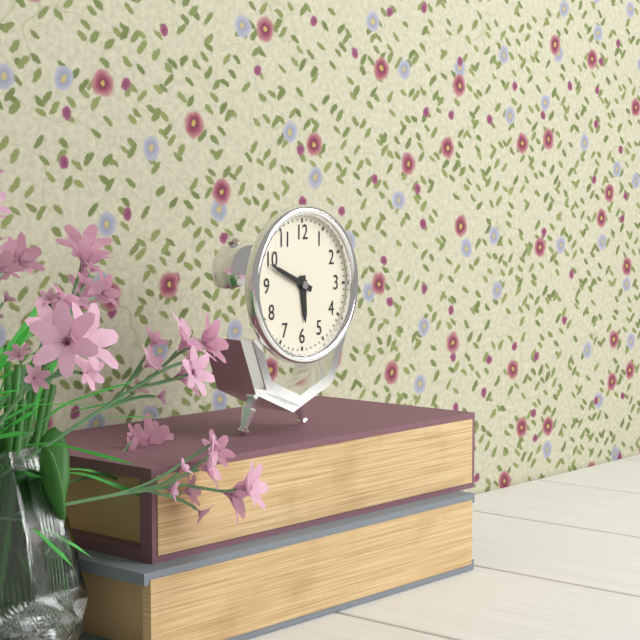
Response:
{"hour": 5, "minute": 49}
